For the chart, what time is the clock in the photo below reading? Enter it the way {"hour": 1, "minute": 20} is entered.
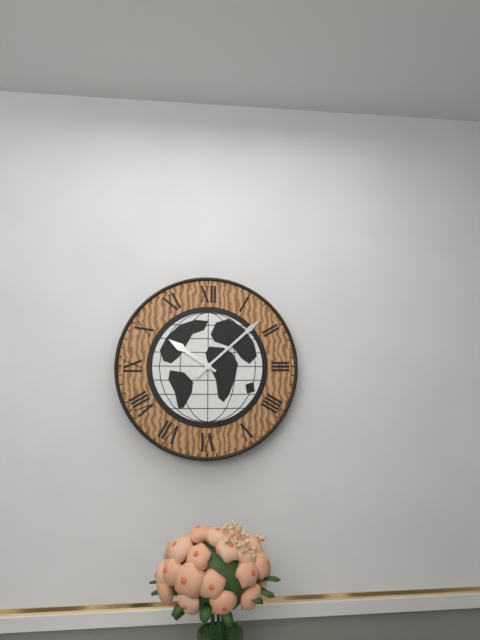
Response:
{"hour": 10, "minute": 8}
